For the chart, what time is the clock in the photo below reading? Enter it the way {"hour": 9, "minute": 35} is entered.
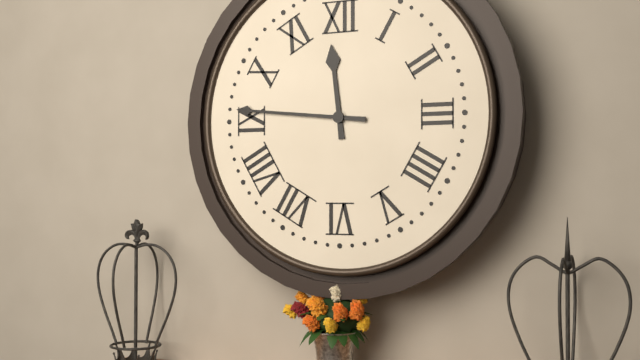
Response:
{"hour": 11, "minute": 46}
